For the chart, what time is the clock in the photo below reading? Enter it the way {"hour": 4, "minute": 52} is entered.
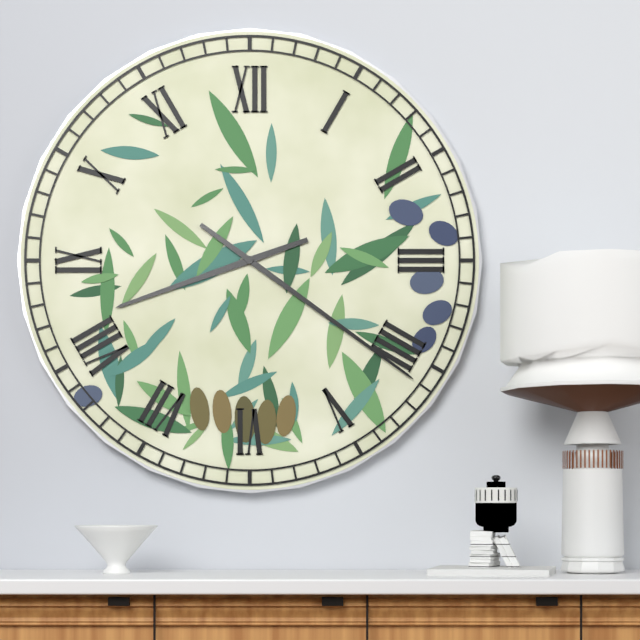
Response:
{"hour": 8, "minute": 21}
